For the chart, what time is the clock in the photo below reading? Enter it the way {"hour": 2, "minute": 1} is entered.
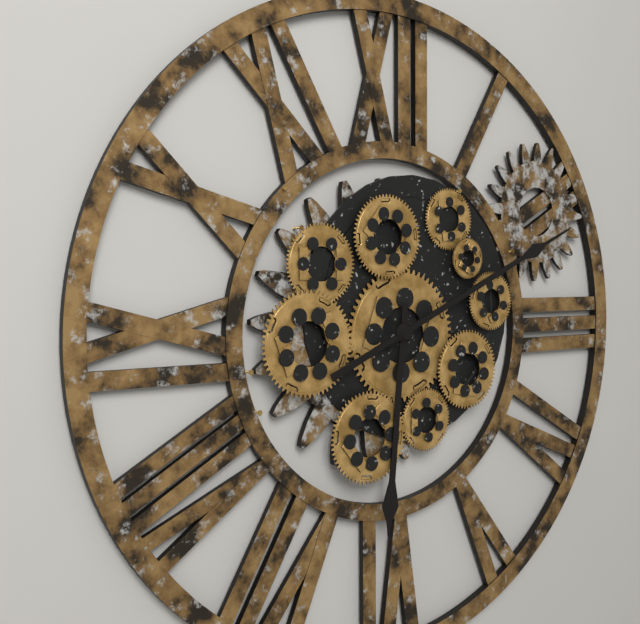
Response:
{"hour": 6, "minute": 11}
